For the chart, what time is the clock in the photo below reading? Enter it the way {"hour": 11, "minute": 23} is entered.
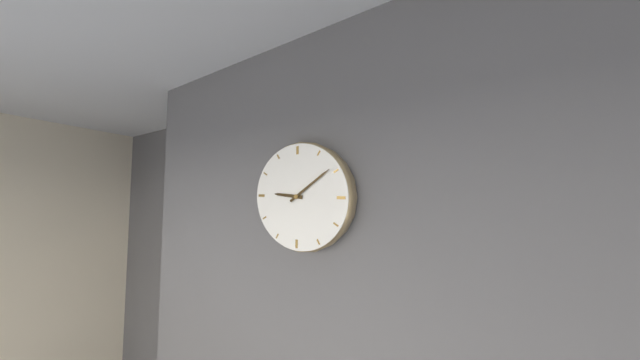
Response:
{"hour": 9, "minute": 9}
